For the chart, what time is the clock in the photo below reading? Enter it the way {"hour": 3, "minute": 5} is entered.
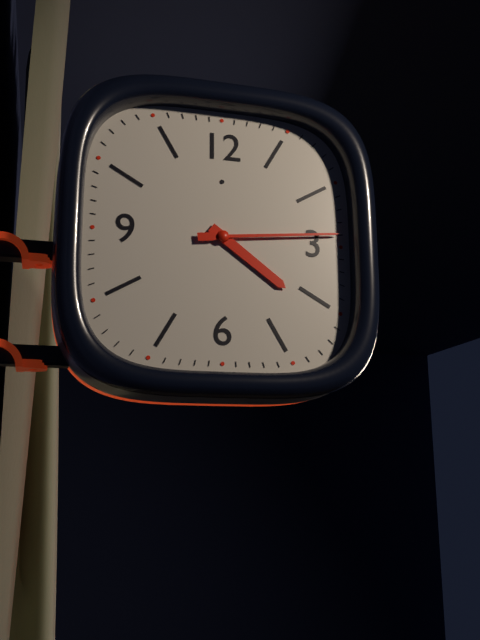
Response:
{"hour": 4, "minute": 14}
